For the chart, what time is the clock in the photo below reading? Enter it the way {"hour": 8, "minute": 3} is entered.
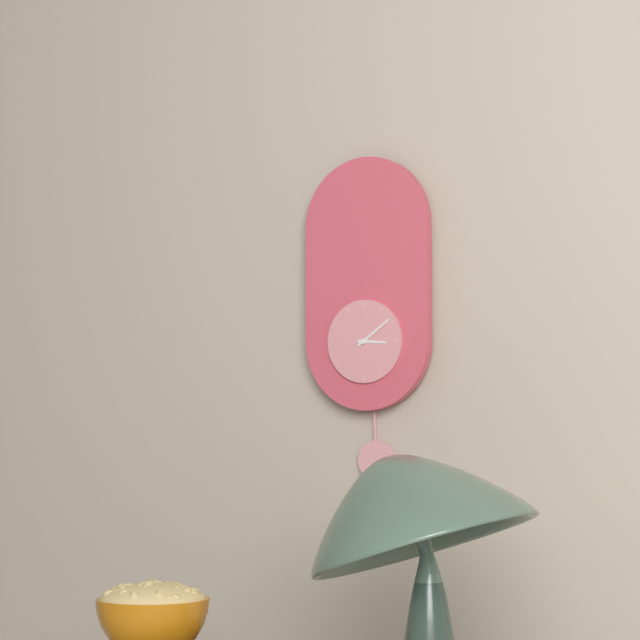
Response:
{"hour": 3, "minute": 9}
